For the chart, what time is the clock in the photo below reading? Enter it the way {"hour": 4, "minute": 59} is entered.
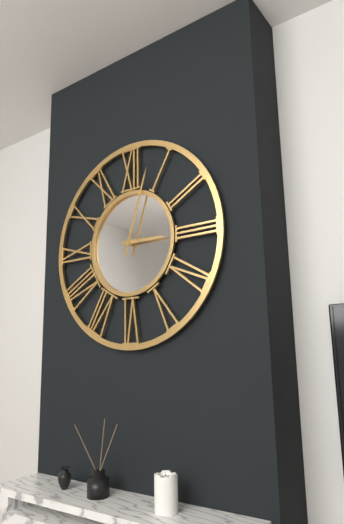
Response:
{"hour": 3, "minute": 3}
